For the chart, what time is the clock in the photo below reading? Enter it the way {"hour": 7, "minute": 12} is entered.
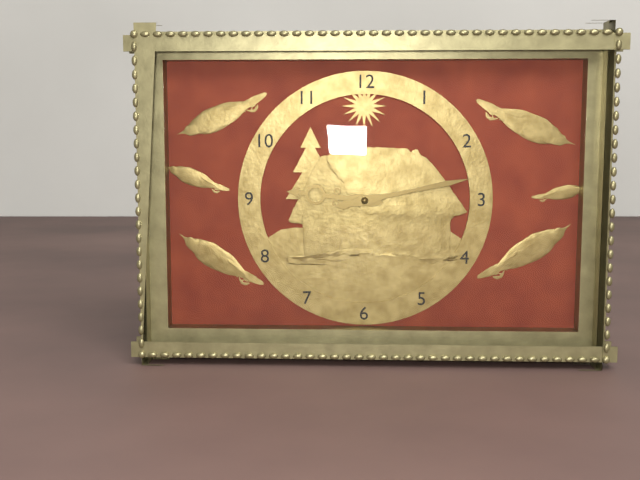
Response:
{"hour": 9, "minute": 13}
